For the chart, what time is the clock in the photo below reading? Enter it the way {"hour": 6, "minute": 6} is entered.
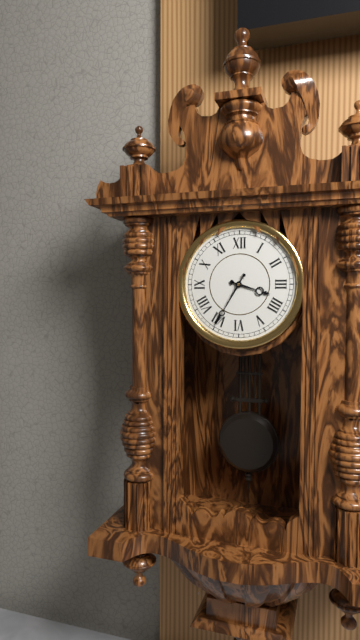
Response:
{"hour": 3, "minute": 35}
